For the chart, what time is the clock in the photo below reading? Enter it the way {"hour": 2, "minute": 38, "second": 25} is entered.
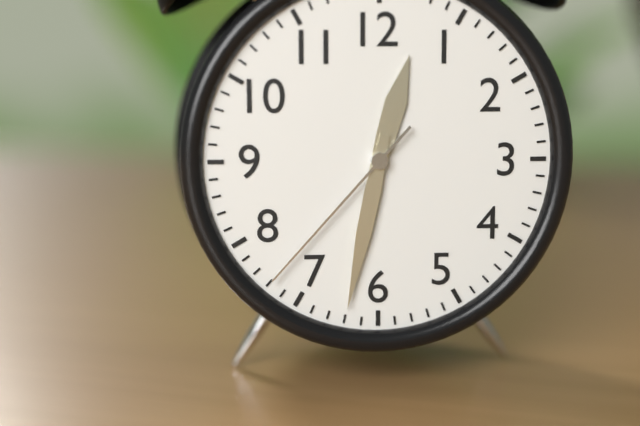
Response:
{"hour": 12, "minute": 32, "second": 37}
